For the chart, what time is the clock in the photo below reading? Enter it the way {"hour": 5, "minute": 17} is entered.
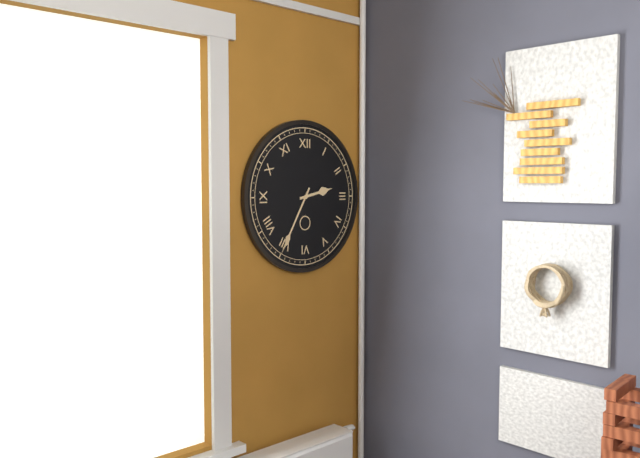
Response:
{"hour": 2, "minute": 35}
